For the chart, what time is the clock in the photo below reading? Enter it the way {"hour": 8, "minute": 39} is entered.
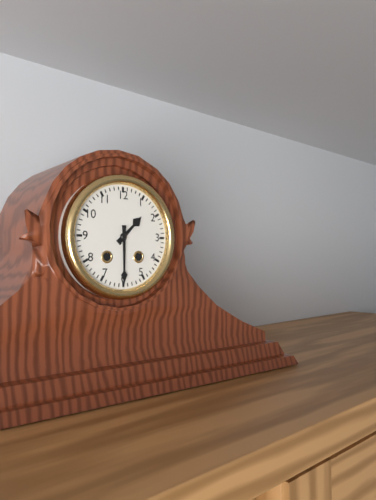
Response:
{"hour": 1, "minute": 30}
